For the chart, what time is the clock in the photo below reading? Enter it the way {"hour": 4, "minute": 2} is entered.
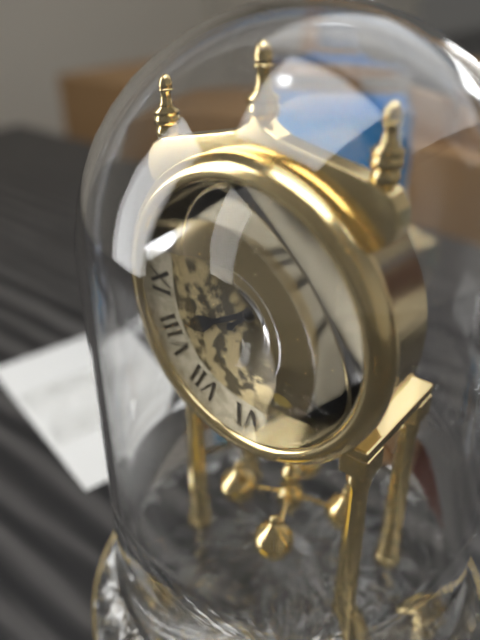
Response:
{"hour": 8, "minute": 8}
